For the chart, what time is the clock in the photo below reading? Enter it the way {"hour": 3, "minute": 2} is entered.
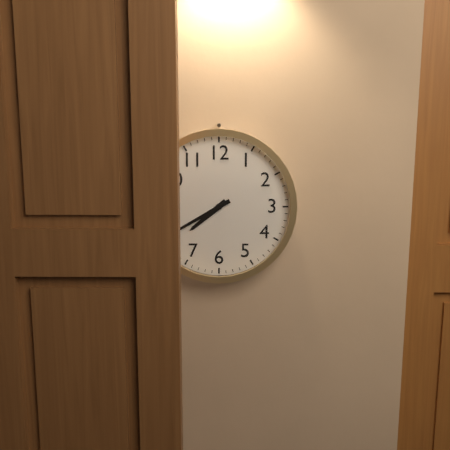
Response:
{"hour": 7, "minute": 40}
